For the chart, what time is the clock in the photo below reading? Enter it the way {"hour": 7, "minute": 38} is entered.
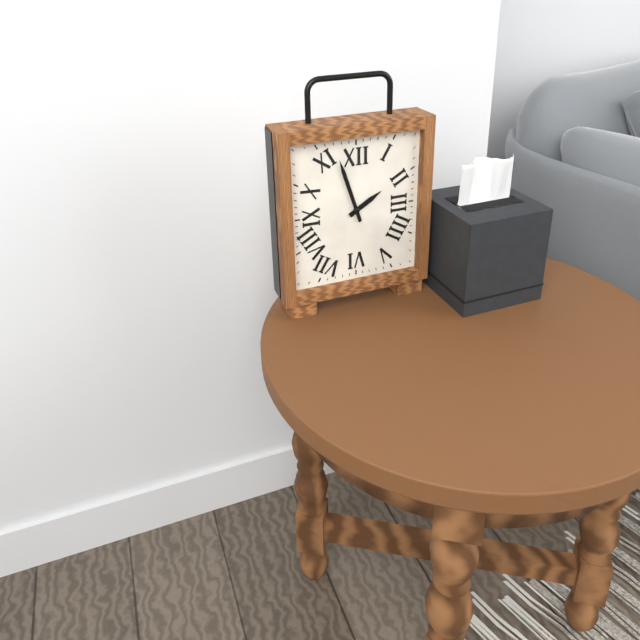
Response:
{"hour": 1, "minute": 57}
